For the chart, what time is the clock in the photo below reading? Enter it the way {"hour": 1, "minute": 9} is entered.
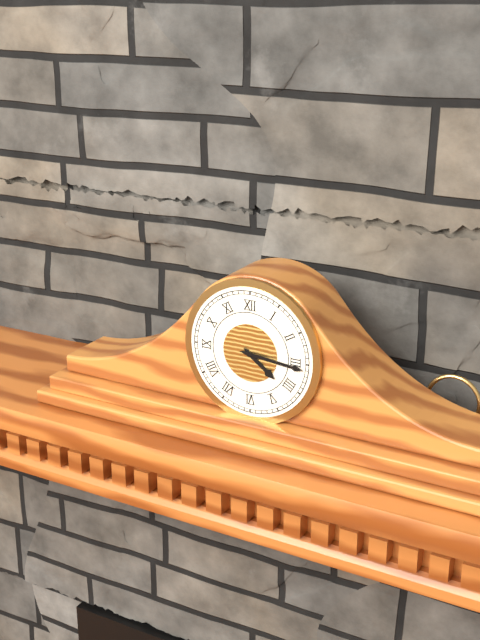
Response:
{"hour": 4, "minute": 16}
